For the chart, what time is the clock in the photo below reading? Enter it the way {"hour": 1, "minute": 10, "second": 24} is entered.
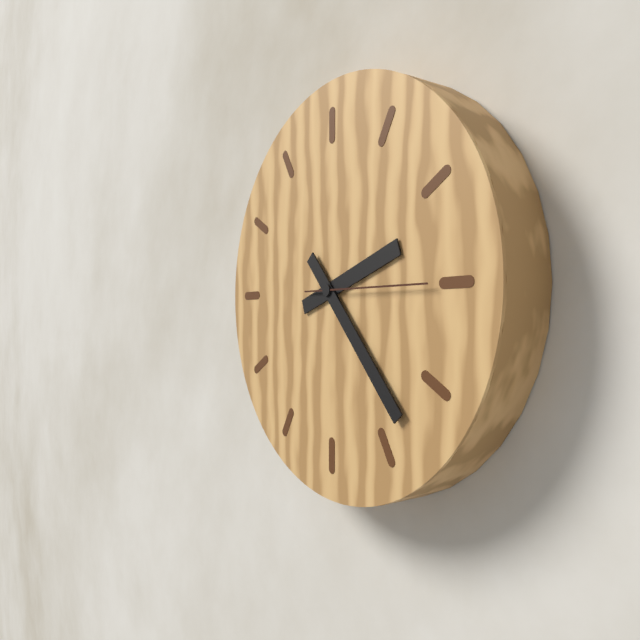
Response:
{"hour": 2, "minute": 23, "second": 15}
